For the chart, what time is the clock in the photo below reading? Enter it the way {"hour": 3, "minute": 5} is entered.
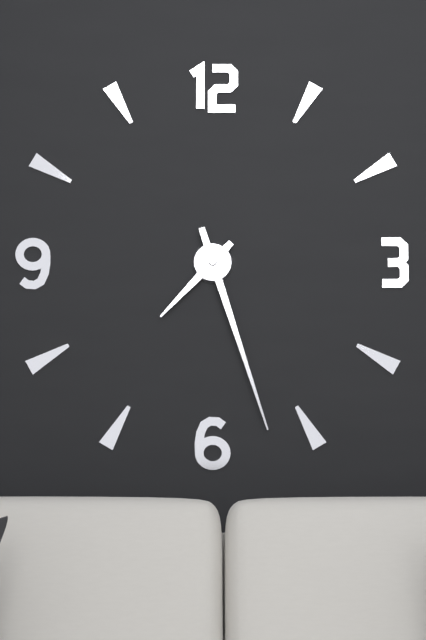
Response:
{"hour": 7, "minute": 27}
